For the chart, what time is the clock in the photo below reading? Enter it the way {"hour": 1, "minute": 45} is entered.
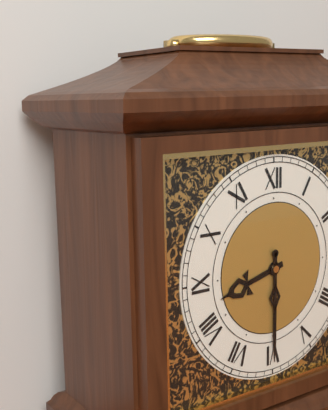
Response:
{"hour": 8, "minute": 30}
